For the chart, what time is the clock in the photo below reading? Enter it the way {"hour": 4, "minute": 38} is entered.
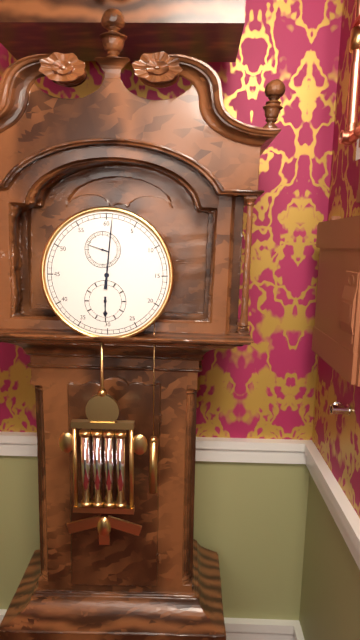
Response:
{"hour": 6, "minute": 1}
